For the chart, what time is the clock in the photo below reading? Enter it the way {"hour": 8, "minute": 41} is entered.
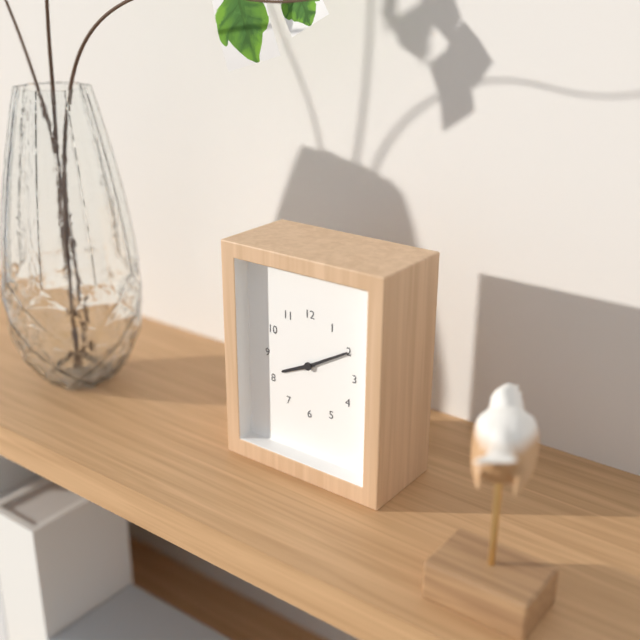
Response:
{"hour": 8, "minute": 10}
